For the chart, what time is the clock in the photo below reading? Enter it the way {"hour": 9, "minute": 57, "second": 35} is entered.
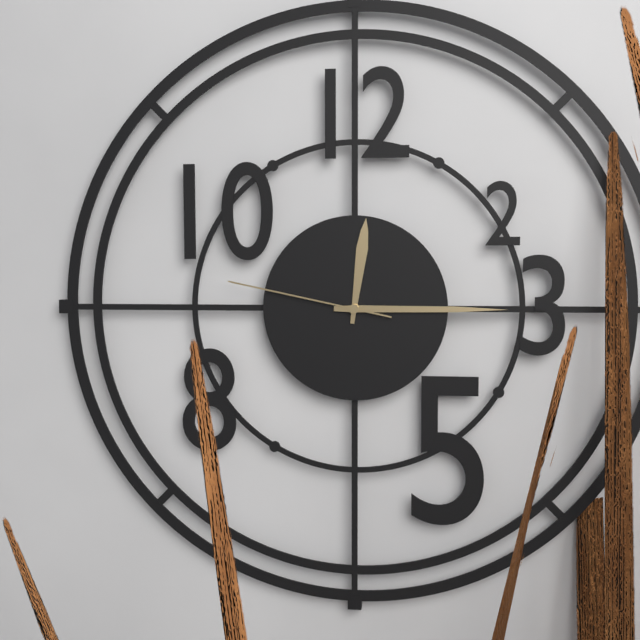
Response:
{"hour": 12, "minute": 15, "second": 47}
